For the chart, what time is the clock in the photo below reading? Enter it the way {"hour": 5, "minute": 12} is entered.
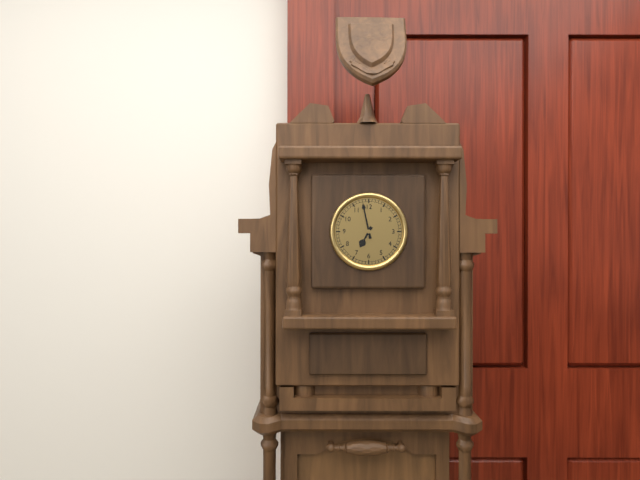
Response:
{"hour": 6, "minute": 58}
